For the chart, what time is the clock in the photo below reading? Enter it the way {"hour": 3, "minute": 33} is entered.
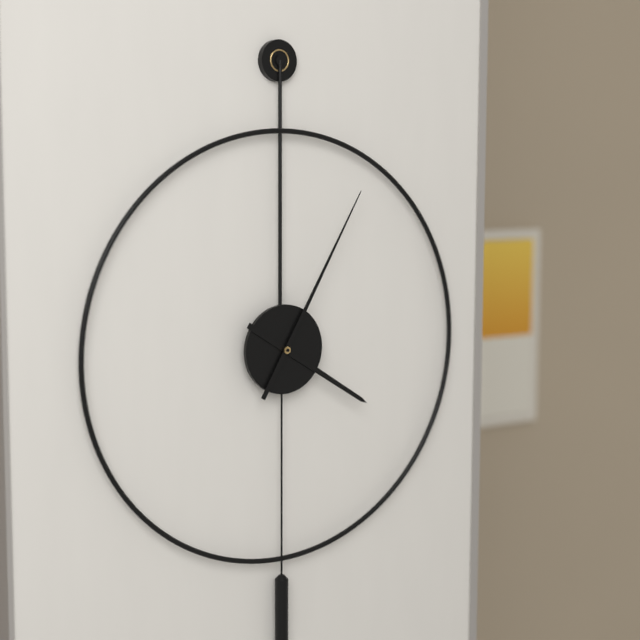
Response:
{"hour": 4, "minute": 5}
